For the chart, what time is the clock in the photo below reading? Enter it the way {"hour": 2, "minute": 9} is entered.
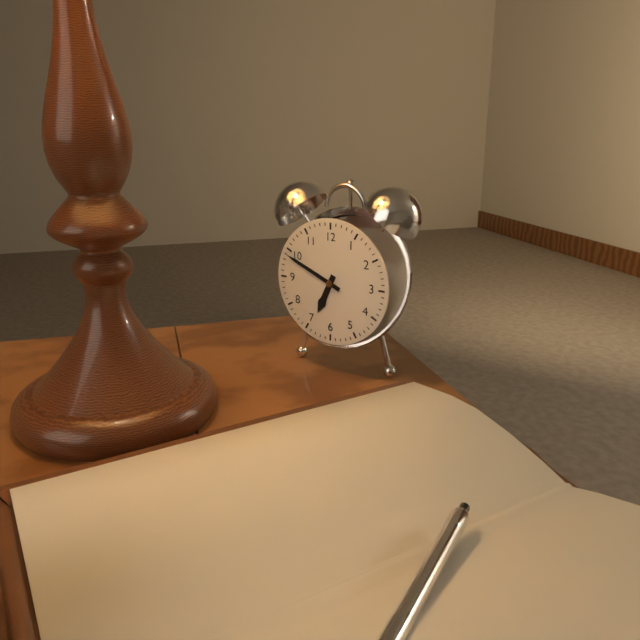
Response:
{"hour": 6, "minute": 49}
